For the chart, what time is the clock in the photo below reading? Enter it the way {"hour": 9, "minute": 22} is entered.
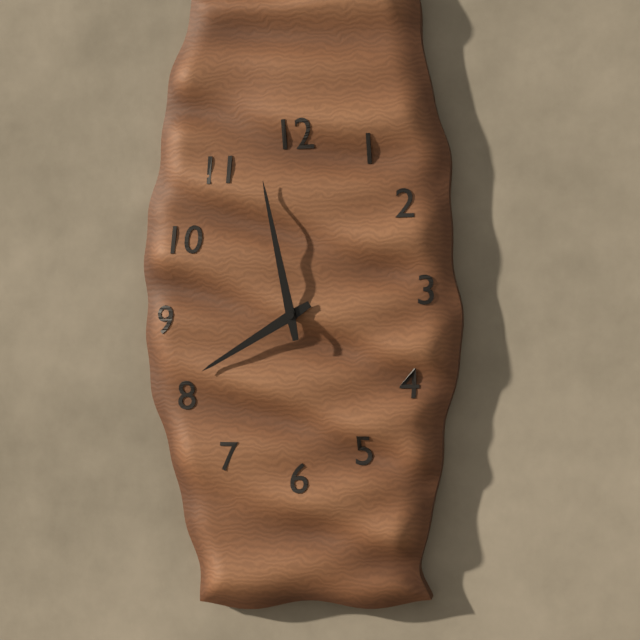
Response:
{"hour": 7, "minute": 58}
